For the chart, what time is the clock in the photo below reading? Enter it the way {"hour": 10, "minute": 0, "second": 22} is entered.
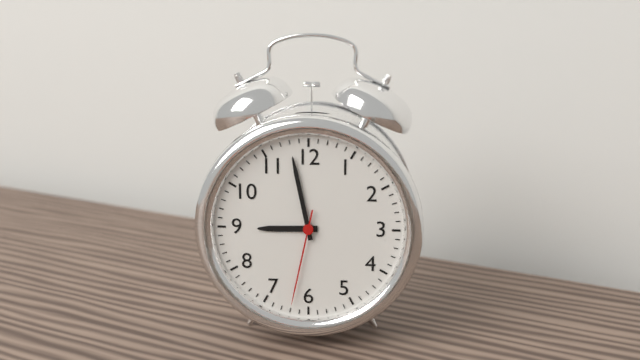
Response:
{"hour": 8, "minute": 58, "second": 32}
